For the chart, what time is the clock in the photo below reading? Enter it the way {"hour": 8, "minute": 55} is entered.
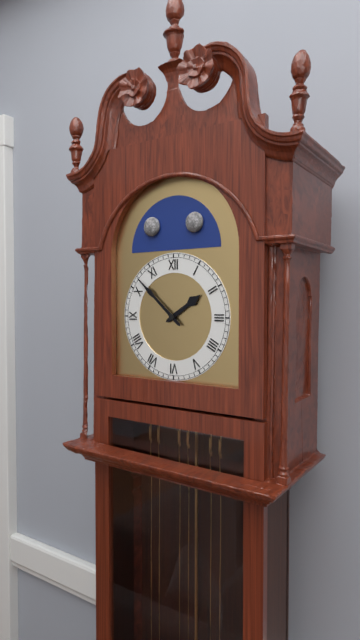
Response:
{"hour": 1, "minute": 52}
